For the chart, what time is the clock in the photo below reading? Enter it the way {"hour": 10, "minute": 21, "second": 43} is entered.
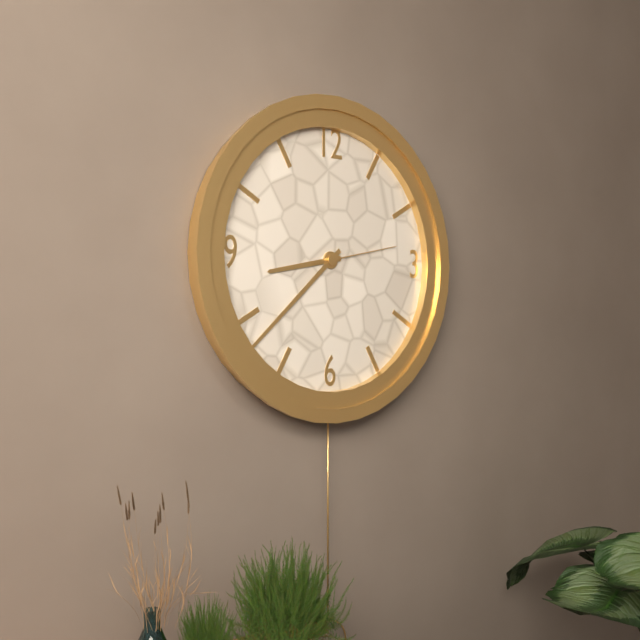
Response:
{"hour": 8, "minute": 38, "second": 13}
